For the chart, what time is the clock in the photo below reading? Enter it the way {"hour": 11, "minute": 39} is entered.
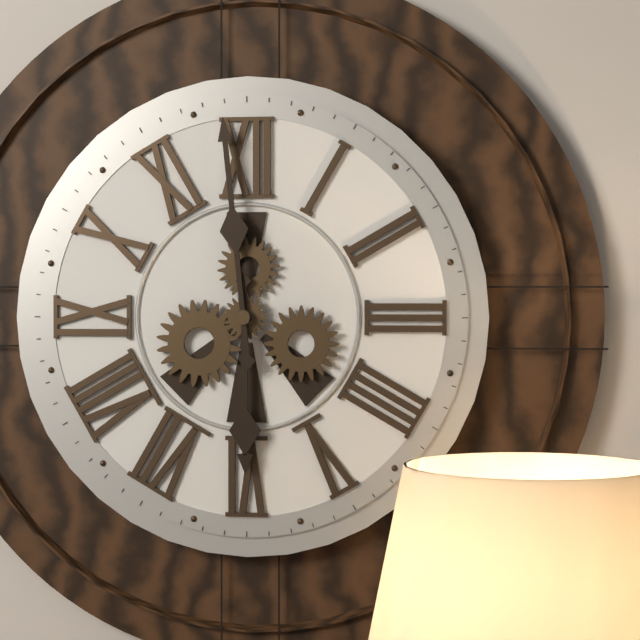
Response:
{"hour": 5, "minute": 59}
